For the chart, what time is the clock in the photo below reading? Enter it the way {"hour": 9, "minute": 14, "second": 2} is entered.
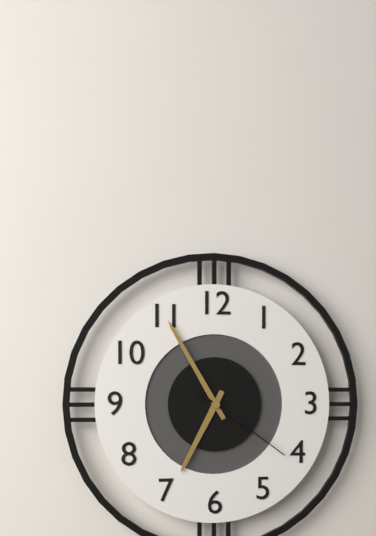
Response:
{"hour": 6, "minute": 55, "second": 21}
